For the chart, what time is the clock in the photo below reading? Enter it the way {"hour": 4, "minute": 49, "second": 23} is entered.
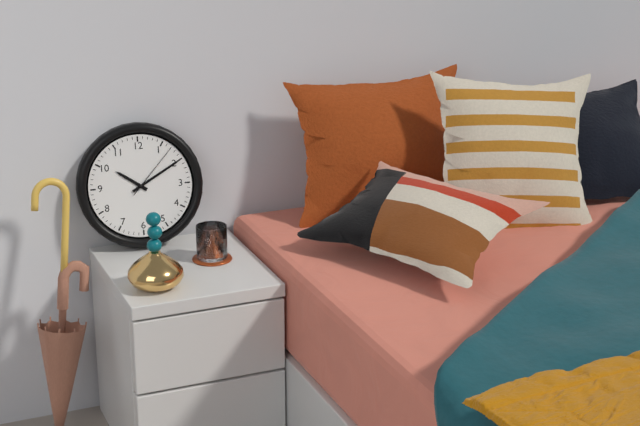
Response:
{"hour": 10, "minute": 10, "second": 7}
